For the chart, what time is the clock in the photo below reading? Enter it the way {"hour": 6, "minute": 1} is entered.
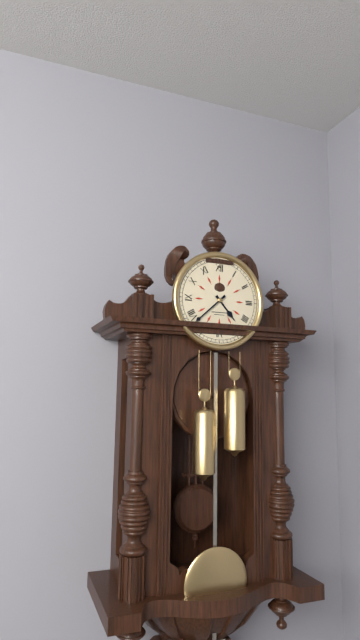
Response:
{"hour": 4, "minute": 38}
